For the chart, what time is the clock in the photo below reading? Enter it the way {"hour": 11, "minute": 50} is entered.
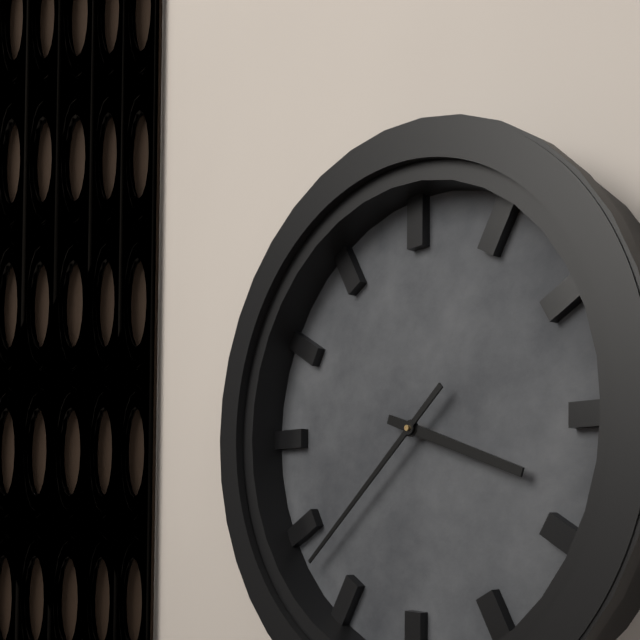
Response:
{"hour": 3, "minute": 38}
